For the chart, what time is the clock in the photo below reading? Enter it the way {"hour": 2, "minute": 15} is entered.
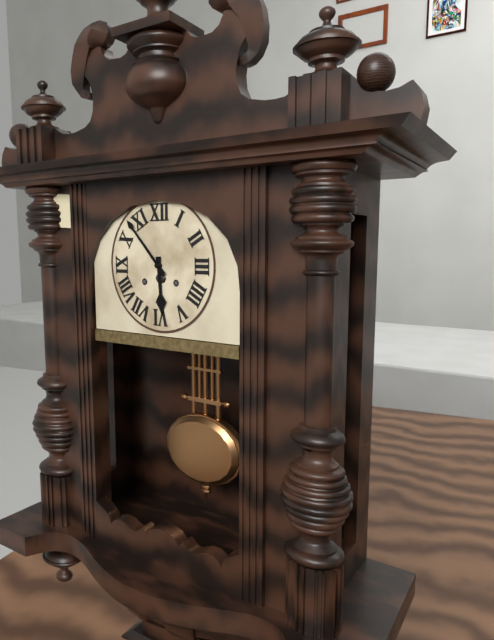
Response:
{"hour": 5, "minute": 53}
